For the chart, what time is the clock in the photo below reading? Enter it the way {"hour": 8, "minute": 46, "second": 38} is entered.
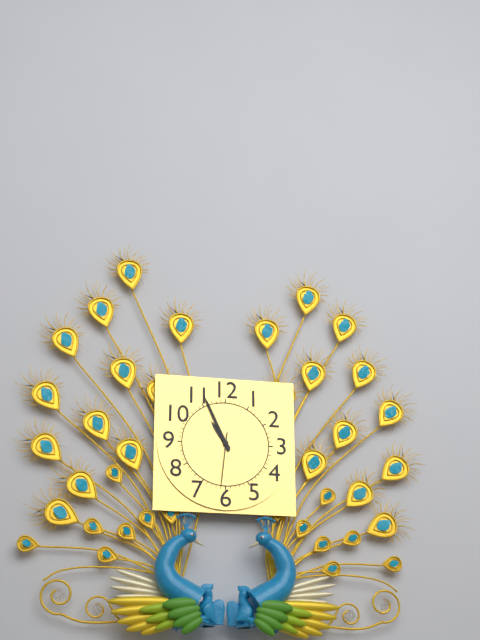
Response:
{"hour": 10, "minute": 56, "second": 31}
